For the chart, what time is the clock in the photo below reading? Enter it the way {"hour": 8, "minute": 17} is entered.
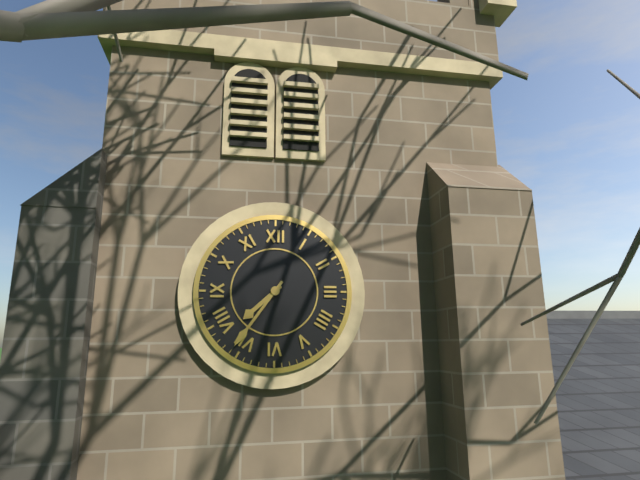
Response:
{"hour": 7, "minute": 36}
